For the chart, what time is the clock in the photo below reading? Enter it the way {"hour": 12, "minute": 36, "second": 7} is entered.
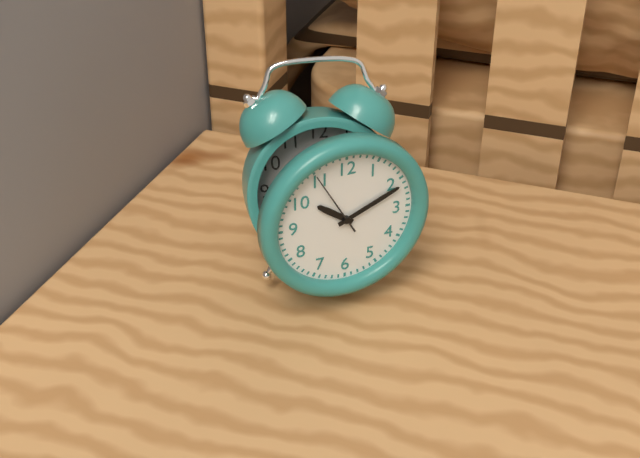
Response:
{"hour": 10, "minute": 11, "second": 55}
